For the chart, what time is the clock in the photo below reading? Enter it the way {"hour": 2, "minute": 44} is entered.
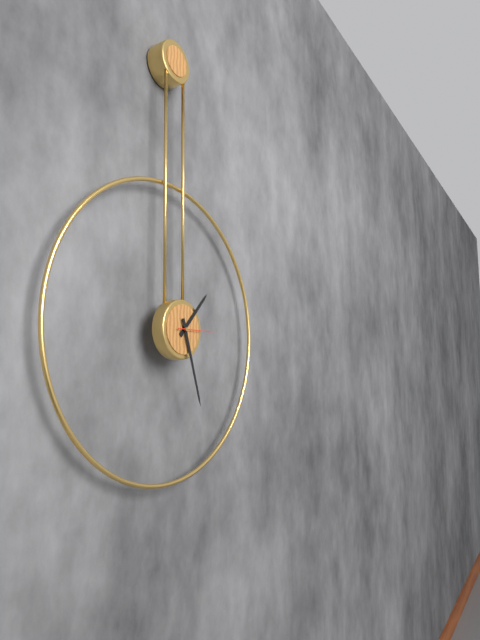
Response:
{"hour": 1, "minute": 27}
